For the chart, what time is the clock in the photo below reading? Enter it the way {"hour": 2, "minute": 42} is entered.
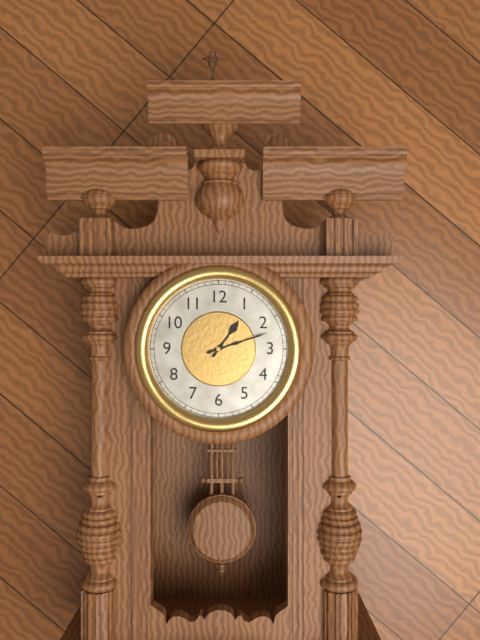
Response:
{"hour": 1, "minute": 12}
